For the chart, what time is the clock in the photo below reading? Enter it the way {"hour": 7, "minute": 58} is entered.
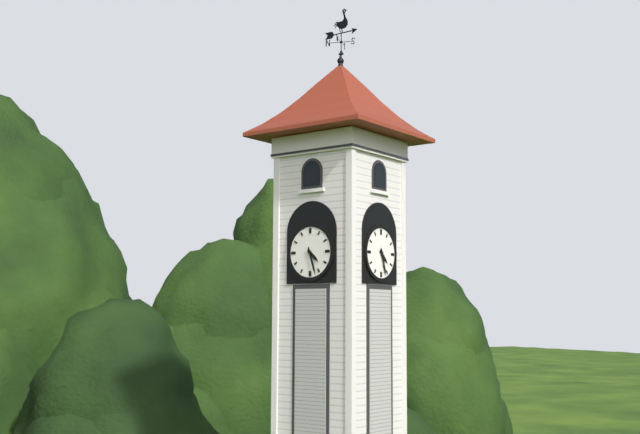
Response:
{"hour": 4, "minute": 27}
